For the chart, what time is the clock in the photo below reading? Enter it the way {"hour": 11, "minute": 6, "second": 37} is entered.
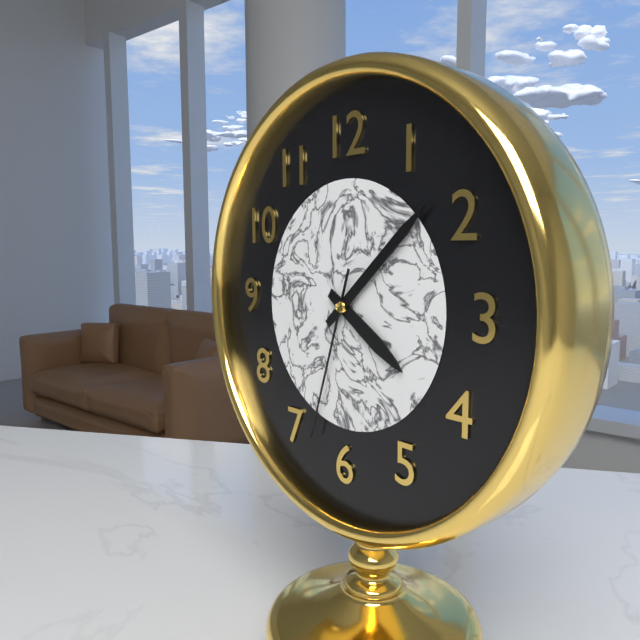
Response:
{"hour": 4, "minute": 8, "second": 33}
